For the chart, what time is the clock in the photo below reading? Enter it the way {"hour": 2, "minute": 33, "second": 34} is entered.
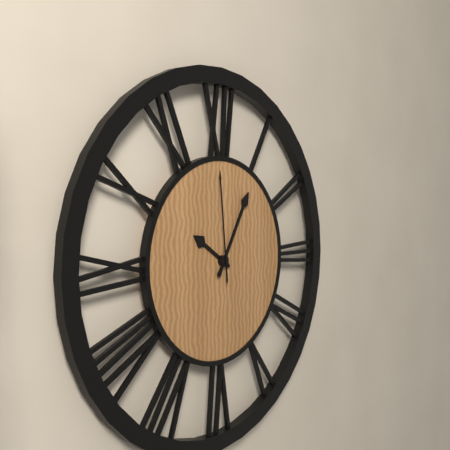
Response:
{"hour": 10, "minute": 5, "second": 59}
